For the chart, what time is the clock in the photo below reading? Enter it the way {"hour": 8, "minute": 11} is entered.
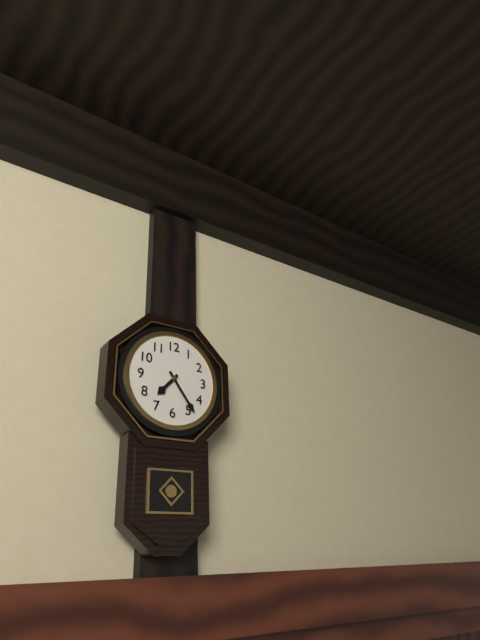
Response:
{"hour": 7, "minute": 24}
